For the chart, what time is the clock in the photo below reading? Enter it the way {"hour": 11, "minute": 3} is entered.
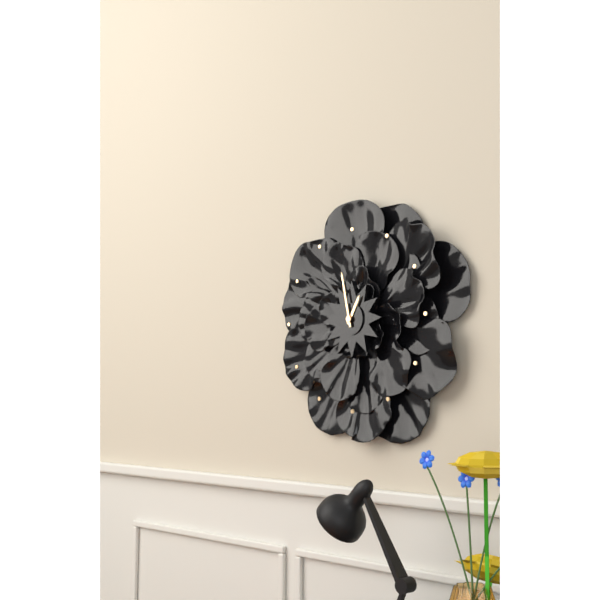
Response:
{"hour": 12, "minute": 58}
